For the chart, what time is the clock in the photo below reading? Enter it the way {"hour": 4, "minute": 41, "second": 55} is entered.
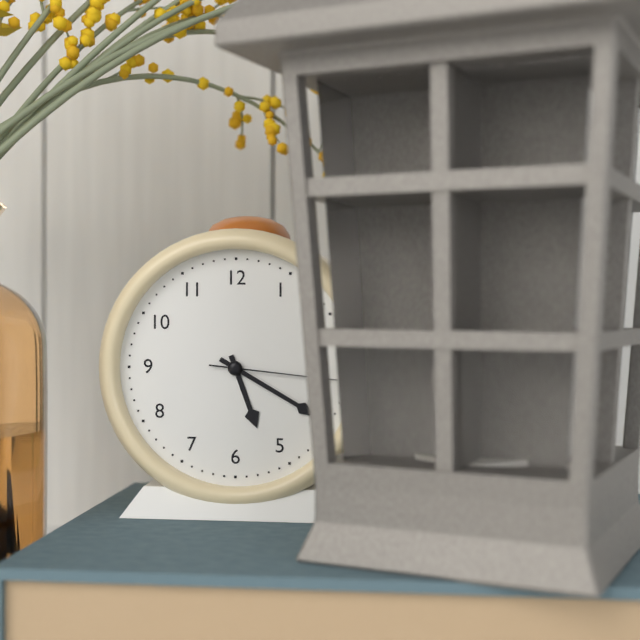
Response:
{"hour": 5, "minute": 20, "second": 16}
